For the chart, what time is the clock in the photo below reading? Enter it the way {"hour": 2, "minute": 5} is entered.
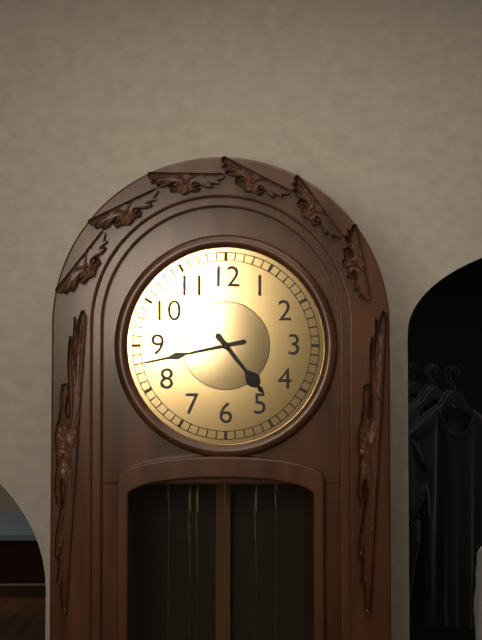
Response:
{"hour": 4, "minute": 43}
